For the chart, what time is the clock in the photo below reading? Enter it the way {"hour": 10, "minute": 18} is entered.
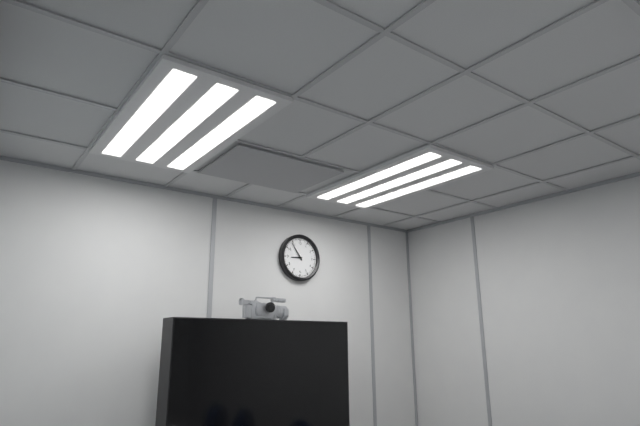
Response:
{"hour": 8, "minute": 54}
